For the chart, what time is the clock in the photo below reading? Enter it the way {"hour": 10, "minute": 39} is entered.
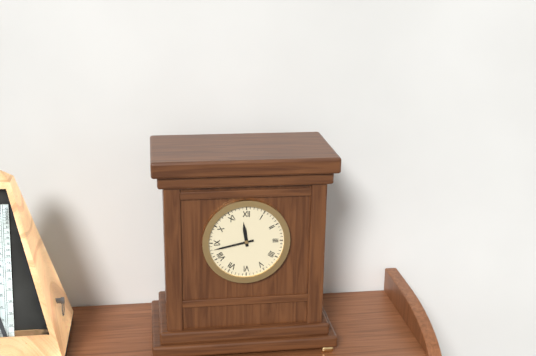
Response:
{"hour": 11, "minute": 43}
